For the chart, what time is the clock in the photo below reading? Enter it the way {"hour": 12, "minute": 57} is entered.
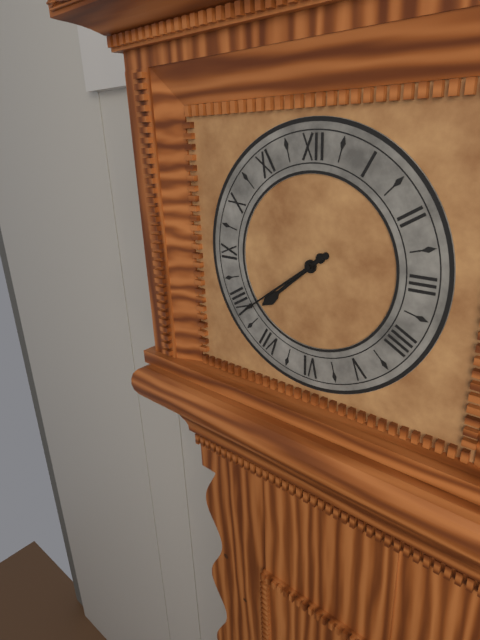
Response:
{"hour": 7, "minute": 39}
